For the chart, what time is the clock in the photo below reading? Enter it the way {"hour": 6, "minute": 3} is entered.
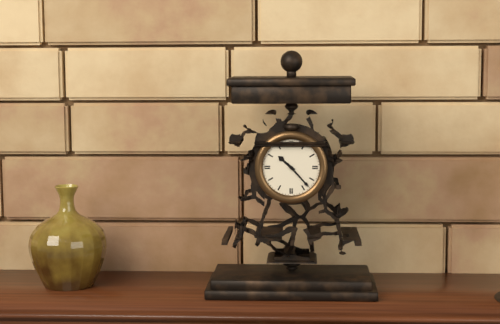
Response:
{"hour": 10, "minute": 23}
